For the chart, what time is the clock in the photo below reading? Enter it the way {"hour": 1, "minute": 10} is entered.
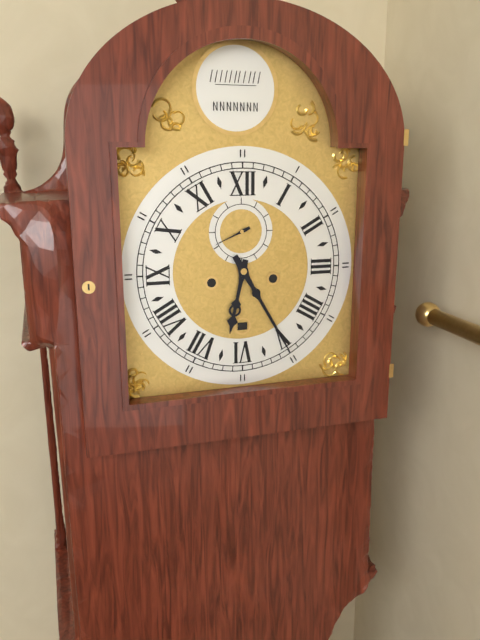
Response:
{"hour": 6, "minute": 25}
